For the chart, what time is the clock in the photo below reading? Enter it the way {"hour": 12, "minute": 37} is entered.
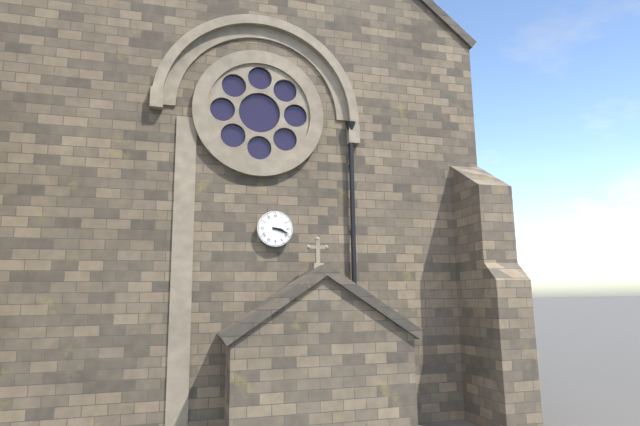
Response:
{"hour": 3, "minute": 18}
